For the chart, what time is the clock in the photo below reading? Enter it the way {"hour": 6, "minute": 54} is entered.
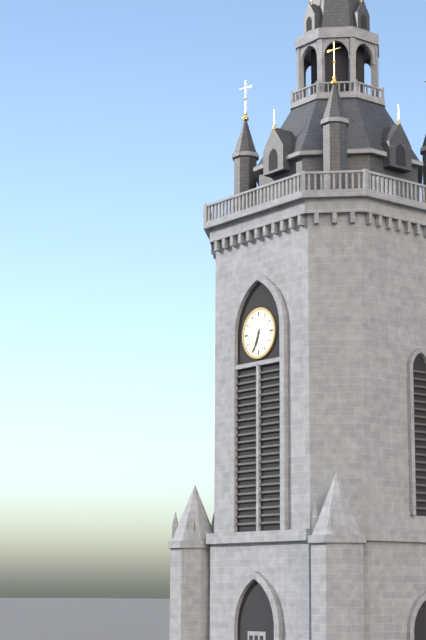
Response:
{"hour": 6, "minute": 34}
